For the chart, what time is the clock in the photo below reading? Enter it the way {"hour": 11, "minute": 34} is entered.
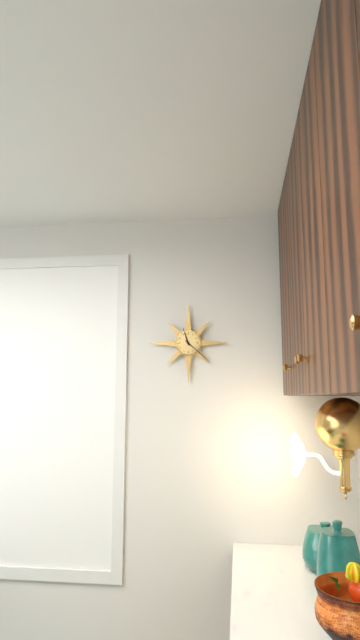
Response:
{"hour": 11, "minute": 22}
